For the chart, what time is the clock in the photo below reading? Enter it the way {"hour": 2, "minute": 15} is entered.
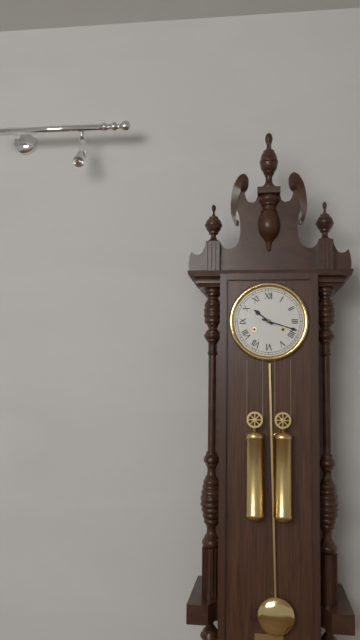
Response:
{"hour": 10, "minute": 18}
